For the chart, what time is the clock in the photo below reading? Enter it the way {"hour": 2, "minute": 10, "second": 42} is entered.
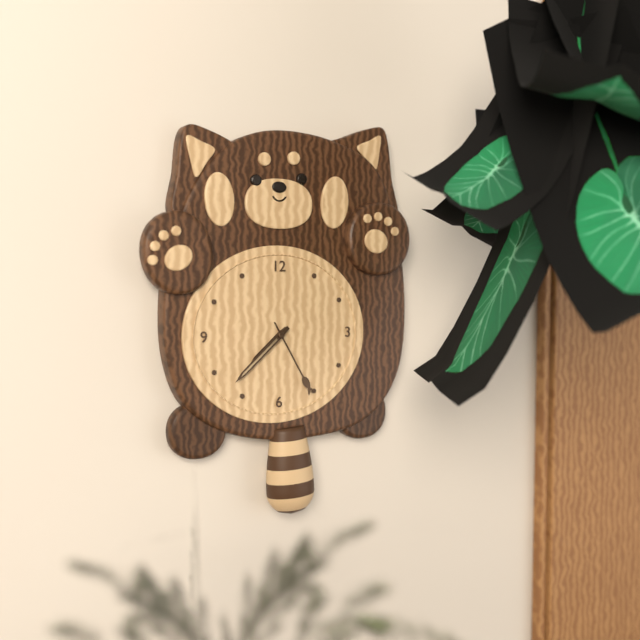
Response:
{"hour": 7, "minute": 38, "second": 25}
